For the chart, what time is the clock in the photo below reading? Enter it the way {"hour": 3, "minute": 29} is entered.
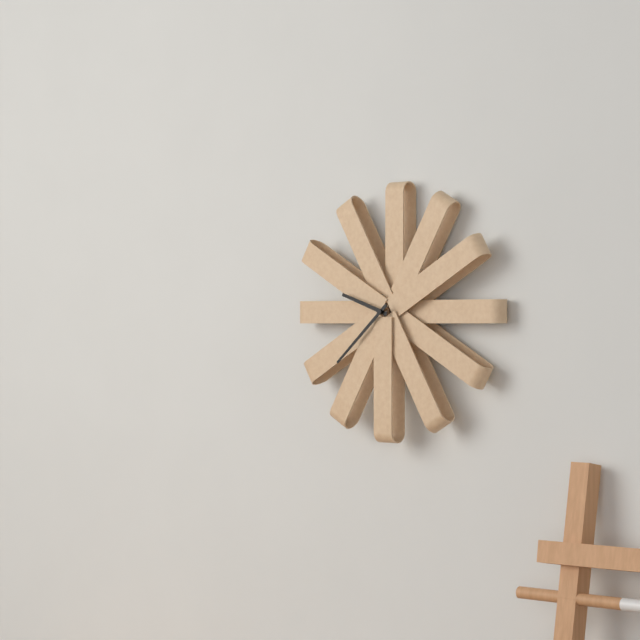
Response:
{"hour": 9, "minute": 38}
